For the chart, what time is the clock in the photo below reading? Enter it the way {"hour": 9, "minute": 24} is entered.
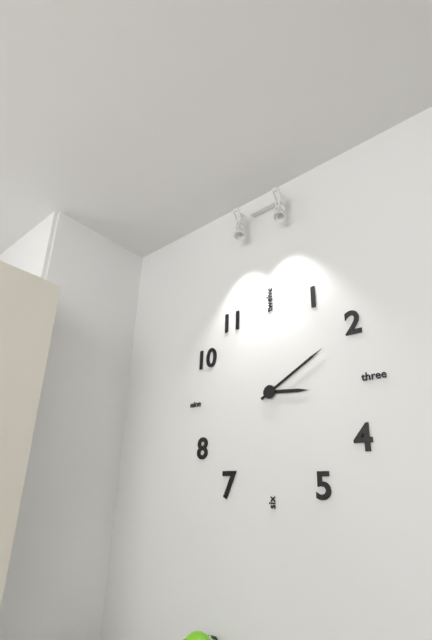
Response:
{"hour": 3, "minute": 10}
